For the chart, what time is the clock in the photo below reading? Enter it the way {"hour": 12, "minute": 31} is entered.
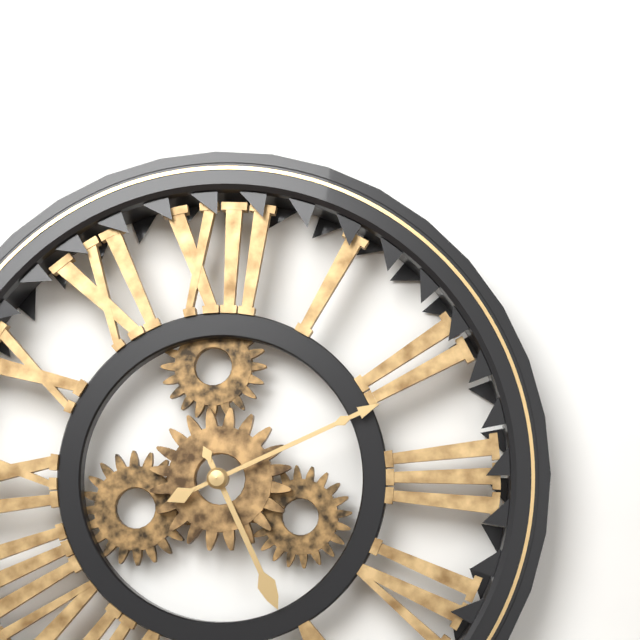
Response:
{"hour": 5, "minute": 11}
